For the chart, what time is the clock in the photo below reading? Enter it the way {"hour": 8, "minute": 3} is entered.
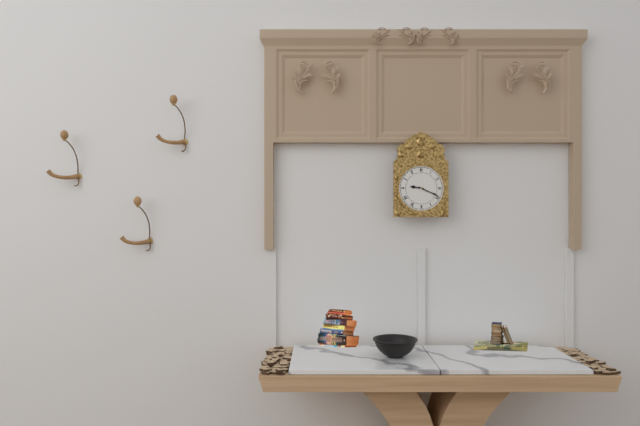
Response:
{"hour": 9, "minute": 19}
